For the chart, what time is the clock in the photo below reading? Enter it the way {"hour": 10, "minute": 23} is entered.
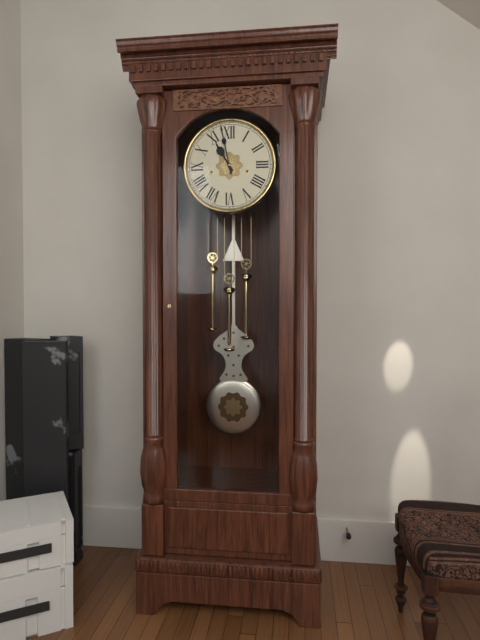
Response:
{"hour": 10, "minute": 58}
